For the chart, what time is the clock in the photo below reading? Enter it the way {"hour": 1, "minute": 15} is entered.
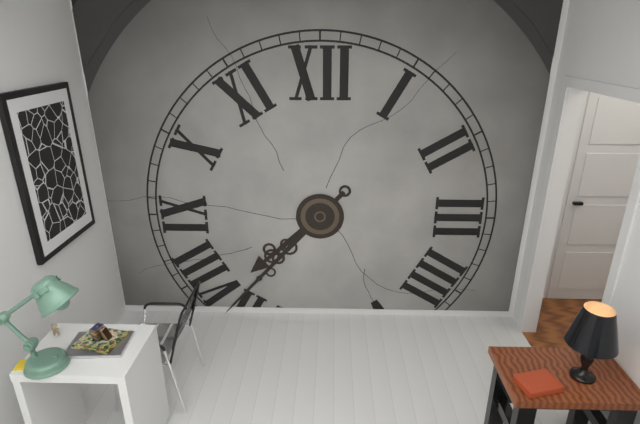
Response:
{"hour": 7, "minute": 37}
